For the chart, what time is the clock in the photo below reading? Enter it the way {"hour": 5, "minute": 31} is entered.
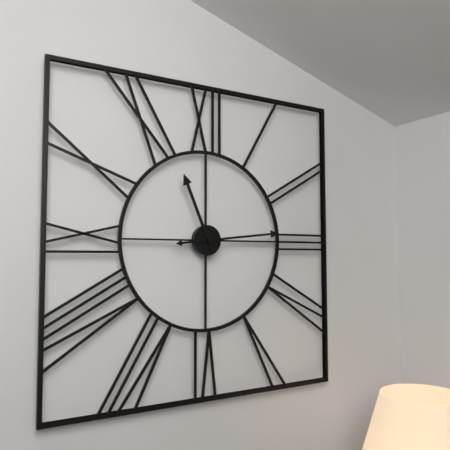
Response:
{"hour": 11, "minute": 14}
